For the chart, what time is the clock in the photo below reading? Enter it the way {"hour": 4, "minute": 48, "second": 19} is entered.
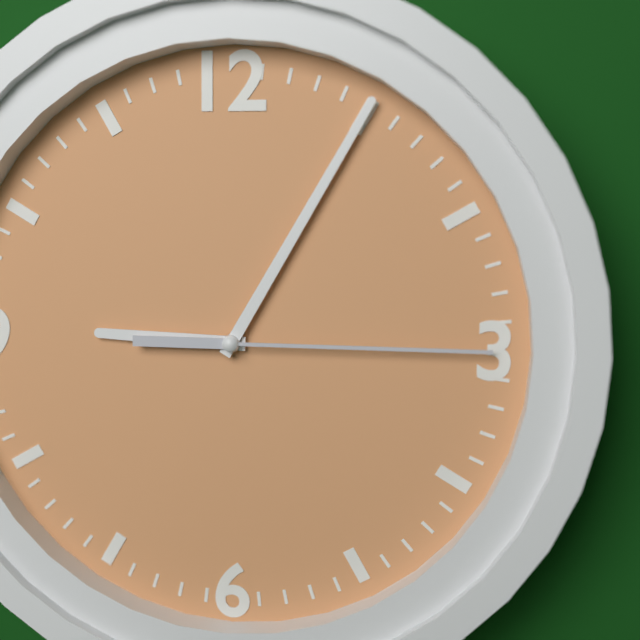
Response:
{"hour": 9, "minute": 5, "second": 15}
